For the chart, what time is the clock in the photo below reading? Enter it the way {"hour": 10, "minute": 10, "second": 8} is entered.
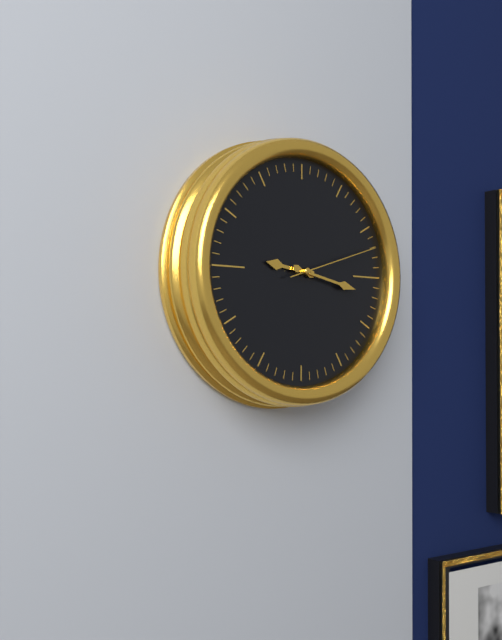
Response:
{"hour": 9, "minute": 17, "second": 12}
